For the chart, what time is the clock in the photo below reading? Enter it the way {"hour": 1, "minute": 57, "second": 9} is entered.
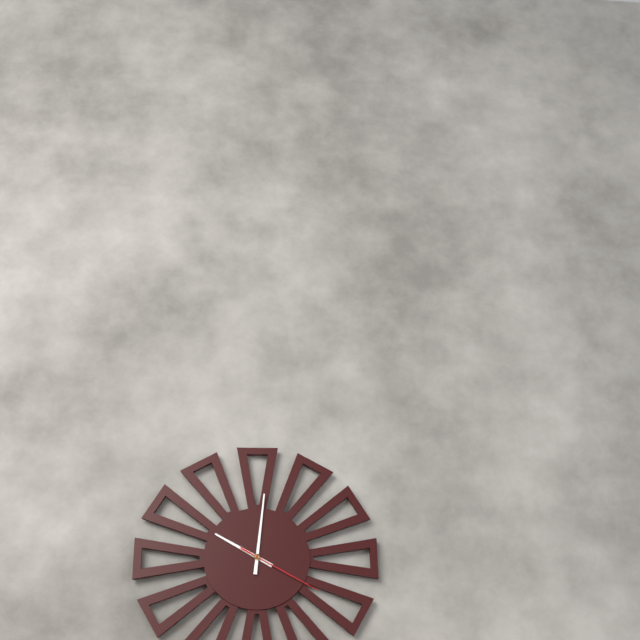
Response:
{"hour": 10, "minute": 1, "second": 20}
